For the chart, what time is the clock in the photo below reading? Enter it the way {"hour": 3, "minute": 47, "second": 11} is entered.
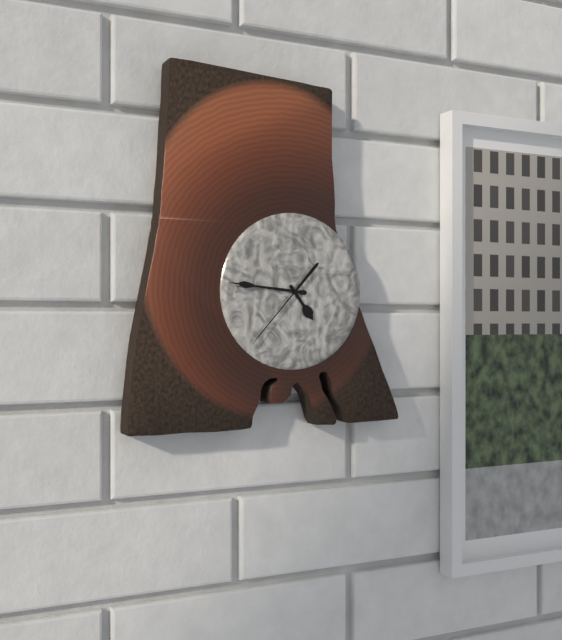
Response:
{"hour": 4, "minute": 46, "second": 37}
